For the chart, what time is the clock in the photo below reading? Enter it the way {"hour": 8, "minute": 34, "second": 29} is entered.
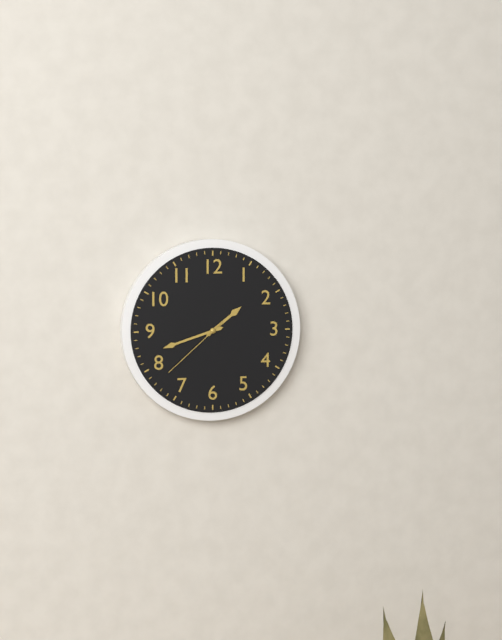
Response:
{"hour": 1, "minute": 42, "second": 38}
